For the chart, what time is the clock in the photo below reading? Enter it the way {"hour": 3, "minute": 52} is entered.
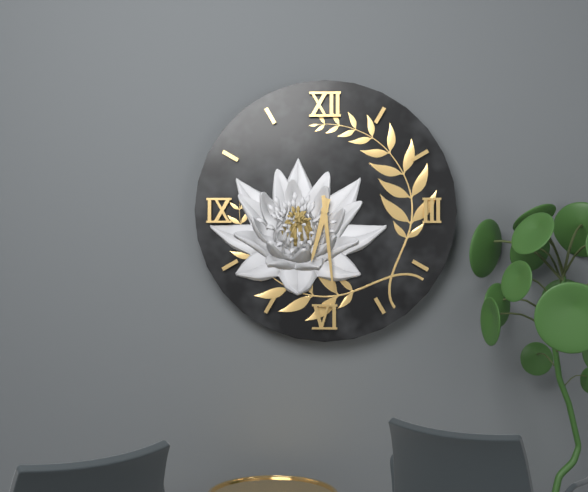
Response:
{"hour": 6, "minute": 29}
